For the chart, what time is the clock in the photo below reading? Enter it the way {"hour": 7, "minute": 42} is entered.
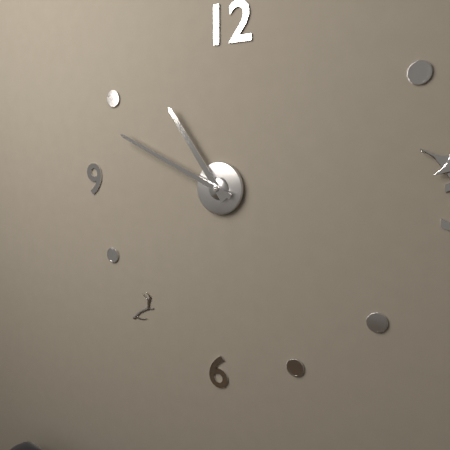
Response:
{"hour": 10, "minute": 49}
